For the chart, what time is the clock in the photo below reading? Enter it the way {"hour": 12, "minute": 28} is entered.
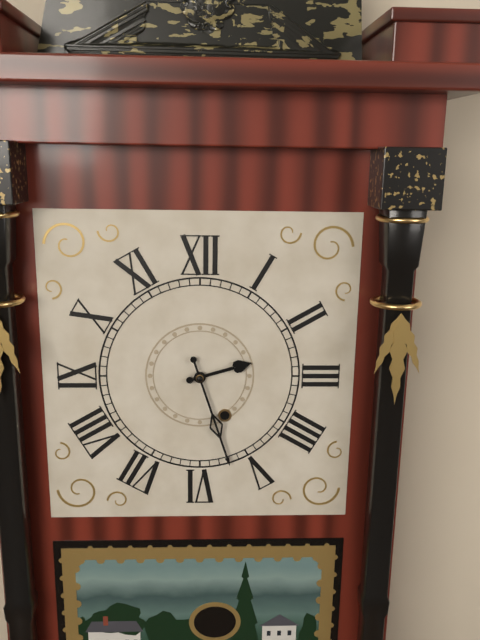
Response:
{"hour": 2, "minute": 27}
